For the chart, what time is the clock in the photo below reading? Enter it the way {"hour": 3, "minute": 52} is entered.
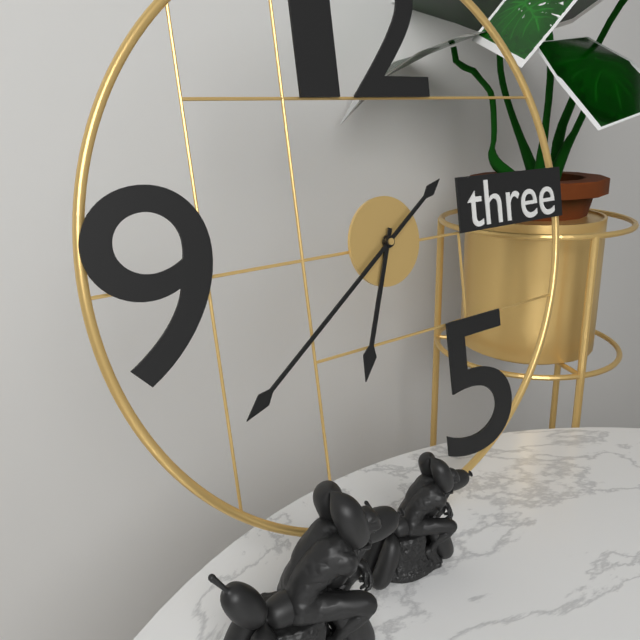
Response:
{"hour": 6, "minute": 39}
